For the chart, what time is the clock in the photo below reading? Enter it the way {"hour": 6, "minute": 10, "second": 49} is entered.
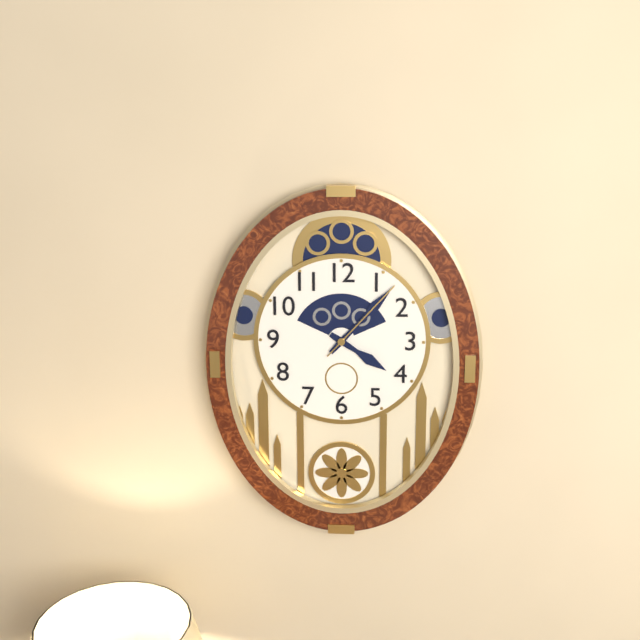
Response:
{"hour": 4, "minute": 7, "second": 7}
